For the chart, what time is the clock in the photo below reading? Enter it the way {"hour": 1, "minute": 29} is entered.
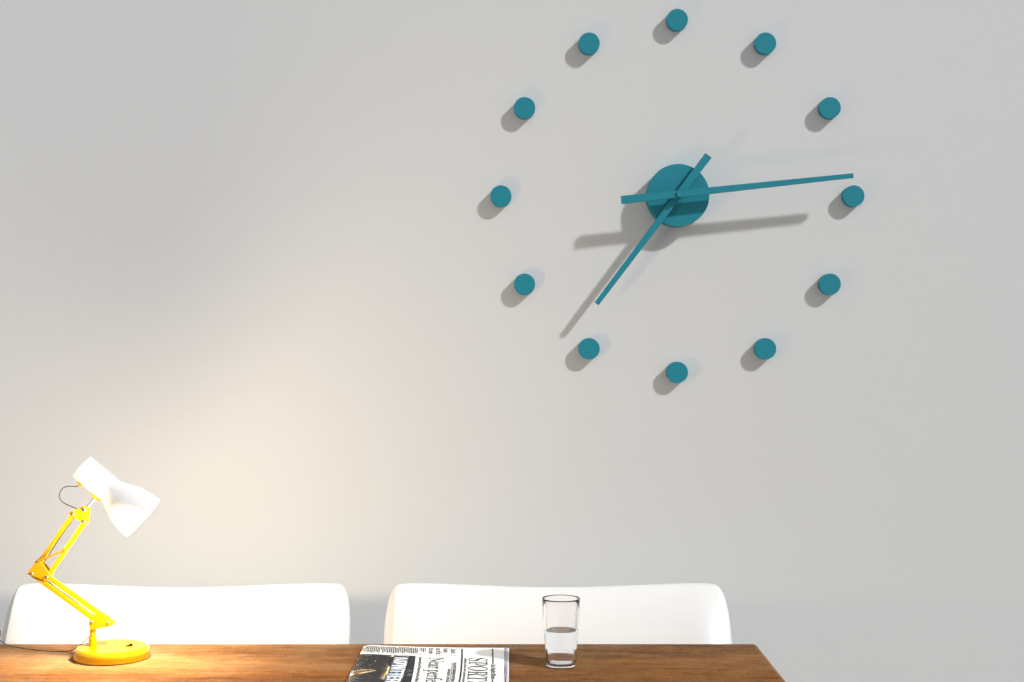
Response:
{"hour": 7, "minute": 14}
